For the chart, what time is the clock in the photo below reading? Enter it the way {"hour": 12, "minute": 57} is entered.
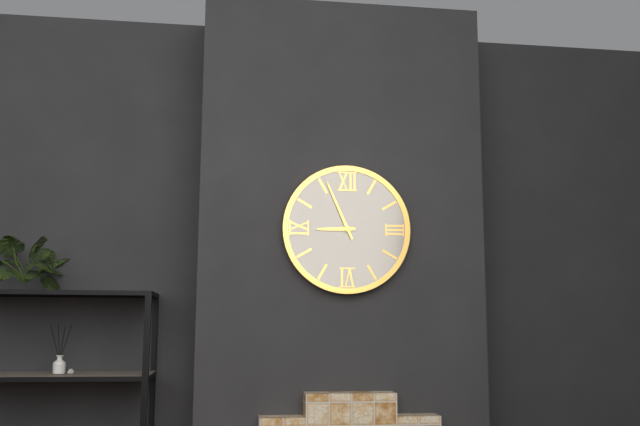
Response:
{"hour": 8, "minute": 56}
